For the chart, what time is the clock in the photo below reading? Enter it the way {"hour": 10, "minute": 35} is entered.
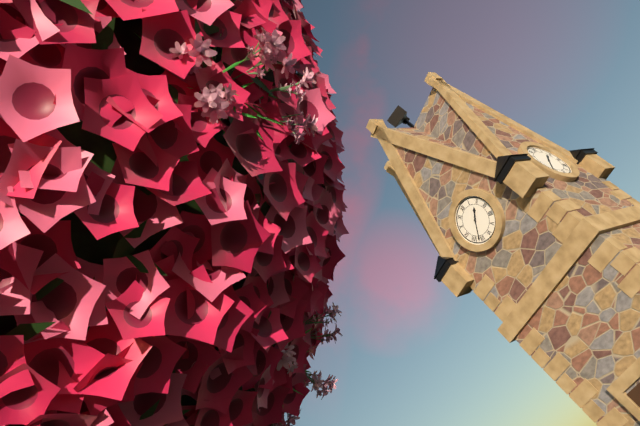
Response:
{"hour": 1, "minute": 37}
